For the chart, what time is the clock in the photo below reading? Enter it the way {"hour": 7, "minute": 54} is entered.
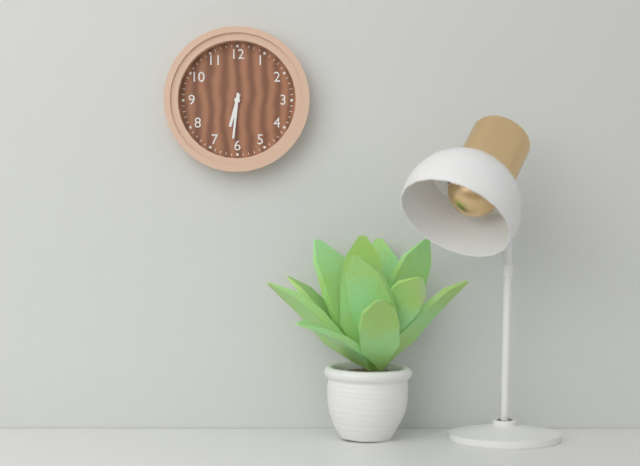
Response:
{"hour": 6, "minute": 31}
